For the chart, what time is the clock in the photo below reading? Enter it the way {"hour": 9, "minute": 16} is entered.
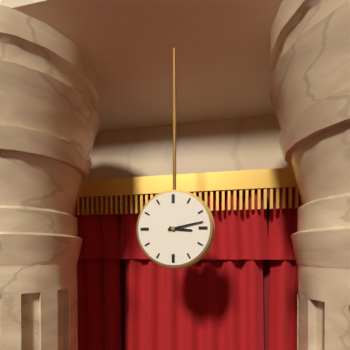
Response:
{"hour": 3, "minute": 13}
